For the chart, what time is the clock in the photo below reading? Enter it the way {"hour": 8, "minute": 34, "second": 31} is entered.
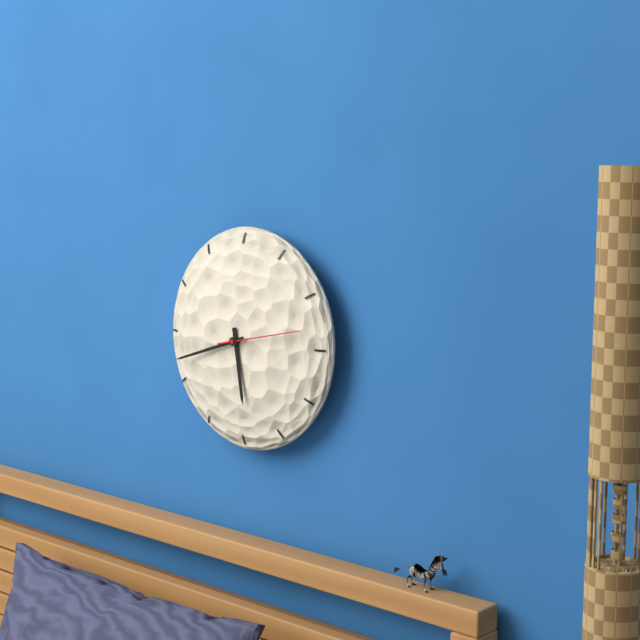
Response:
{"hour": 5, "minute": 42, "second": 13}
